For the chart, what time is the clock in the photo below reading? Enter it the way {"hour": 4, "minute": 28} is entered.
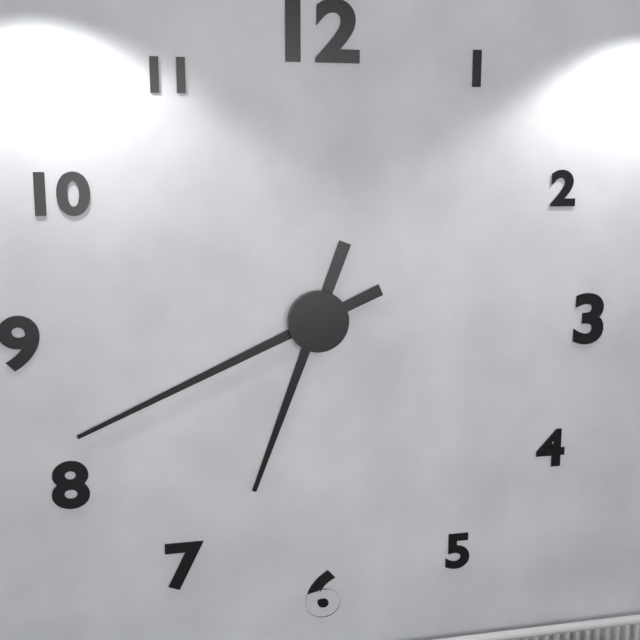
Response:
{"hour": 6, "minute": 41}
